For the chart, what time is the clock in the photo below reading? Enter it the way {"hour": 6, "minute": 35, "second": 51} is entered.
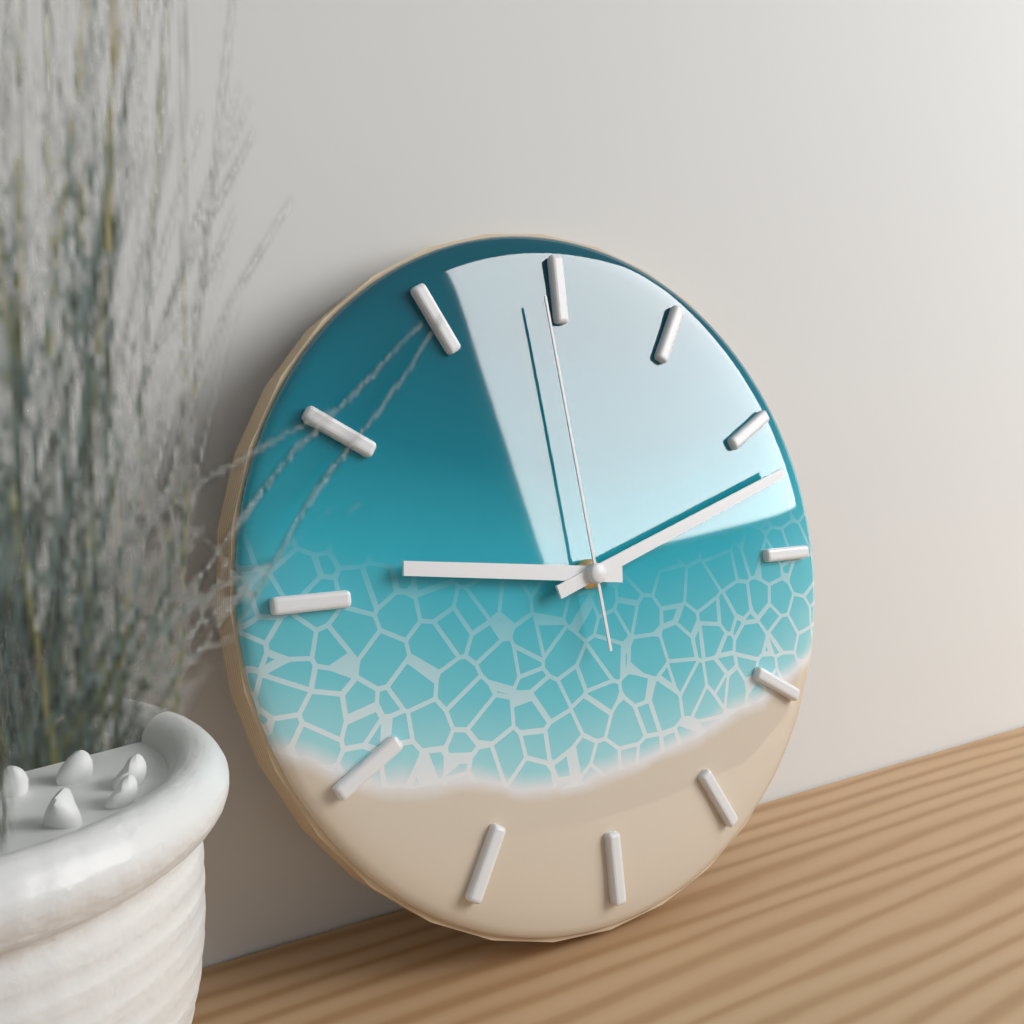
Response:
{"hour": 9, "minute": 12, "second": 59}
